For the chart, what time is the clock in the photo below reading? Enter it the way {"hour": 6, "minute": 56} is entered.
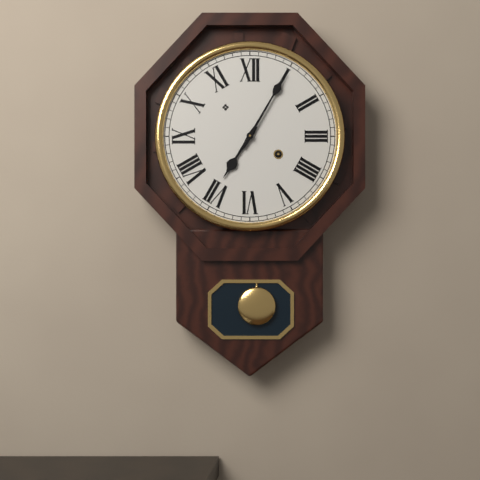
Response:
{"hour": 7, "minute": 5}
